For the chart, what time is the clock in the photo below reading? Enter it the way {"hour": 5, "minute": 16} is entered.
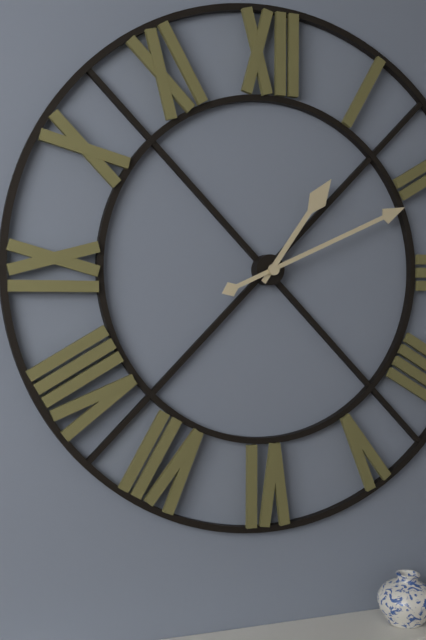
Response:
{"hour": 1, "minute": 11}
